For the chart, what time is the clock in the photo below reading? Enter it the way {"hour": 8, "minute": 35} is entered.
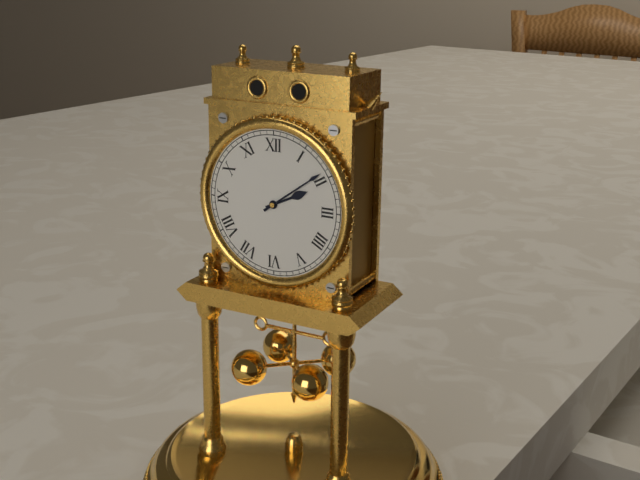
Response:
{"hour": 2, "minute": 9}
